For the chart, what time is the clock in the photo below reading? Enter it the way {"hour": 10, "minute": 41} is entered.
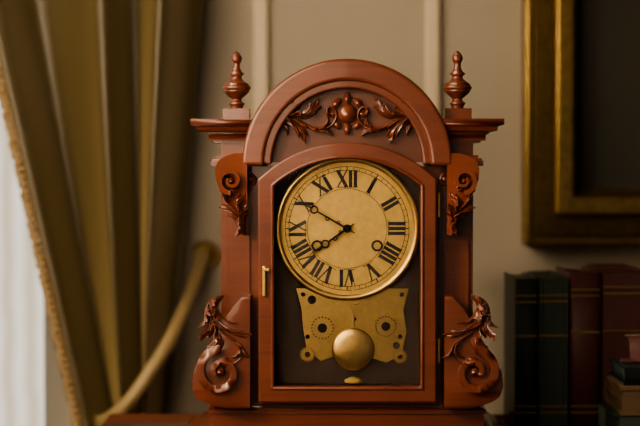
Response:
{"hour": 7, "minute": 50}
